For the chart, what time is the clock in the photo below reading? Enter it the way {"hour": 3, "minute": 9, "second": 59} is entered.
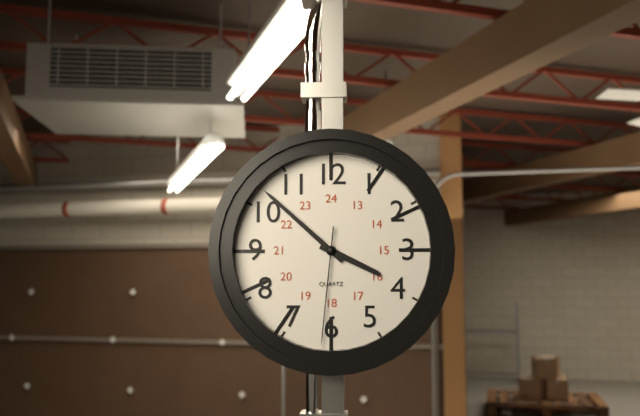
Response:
{"hour": 3, "minute": 52, "second": 31}
